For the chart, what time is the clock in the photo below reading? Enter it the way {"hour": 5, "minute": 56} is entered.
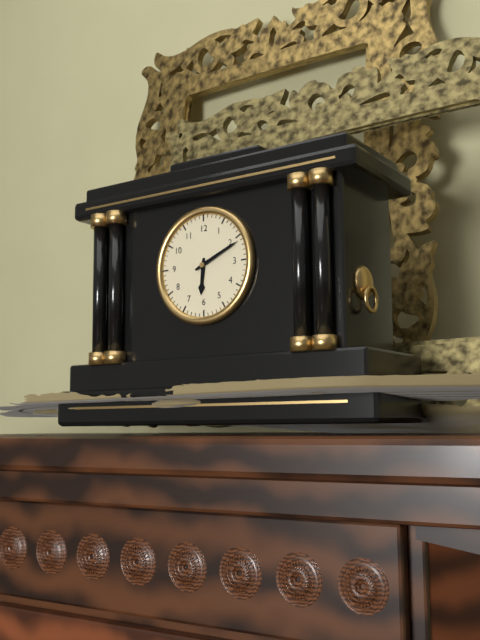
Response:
{"hour": 6, "minute": 11}
